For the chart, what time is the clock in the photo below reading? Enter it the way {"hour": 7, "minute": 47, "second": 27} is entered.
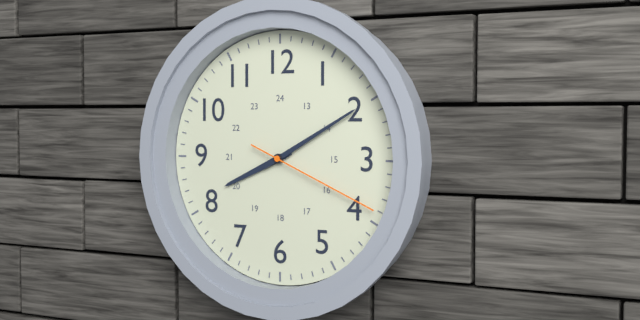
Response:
{"hour": 8, "minute": 10, "second": 19}
